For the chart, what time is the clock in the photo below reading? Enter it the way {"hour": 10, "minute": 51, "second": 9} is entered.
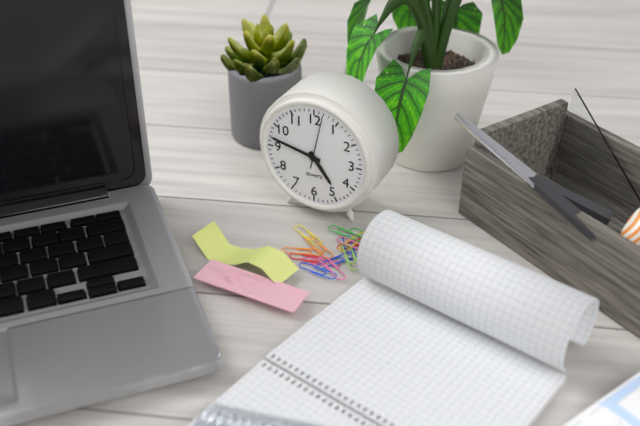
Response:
{"hour": 4, "minute": 47, "second": 2}
